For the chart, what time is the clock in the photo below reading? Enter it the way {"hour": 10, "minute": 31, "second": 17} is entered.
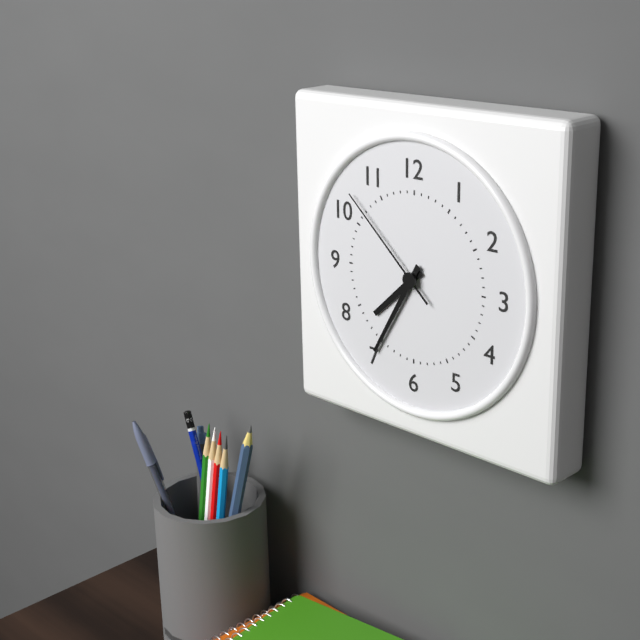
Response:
{"hour": 7, "minute": 35, "second": 52}
